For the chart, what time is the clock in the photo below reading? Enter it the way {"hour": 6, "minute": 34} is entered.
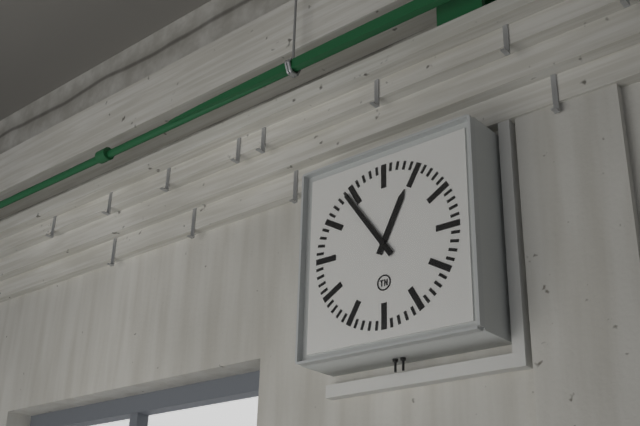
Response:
{"hour": 12, "minute": 54}
